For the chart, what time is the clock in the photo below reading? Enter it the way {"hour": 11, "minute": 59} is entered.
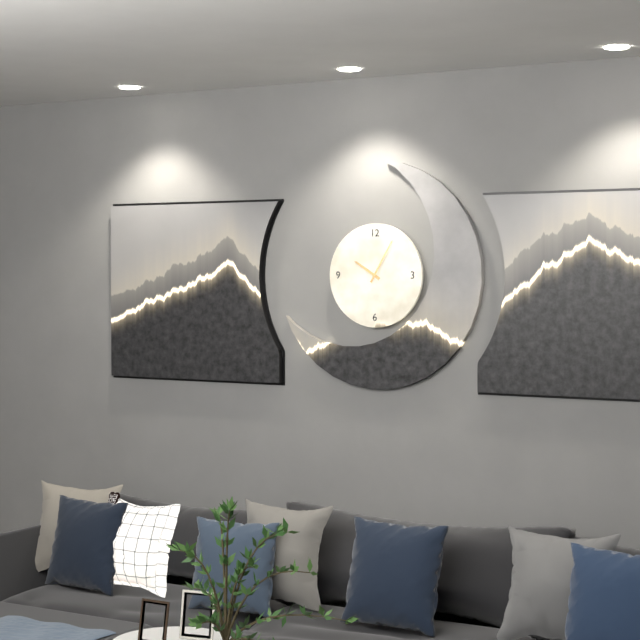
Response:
{"hour": 10, "minute": 5}
